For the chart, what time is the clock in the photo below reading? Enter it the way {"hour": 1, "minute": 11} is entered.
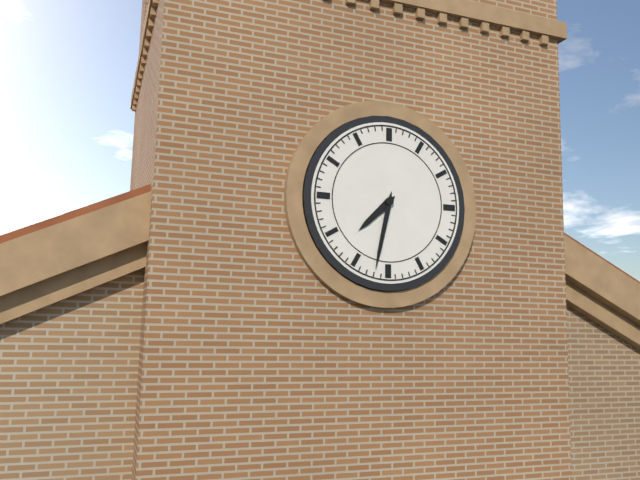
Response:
{"hour": 7, "minute": 32}
